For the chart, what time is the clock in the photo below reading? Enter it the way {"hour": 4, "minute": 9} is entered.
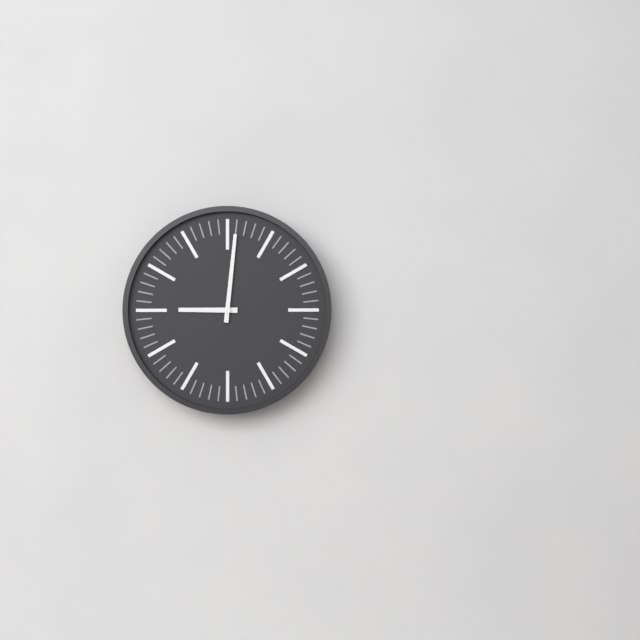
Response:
{"hour": 9, "minute": 1}
